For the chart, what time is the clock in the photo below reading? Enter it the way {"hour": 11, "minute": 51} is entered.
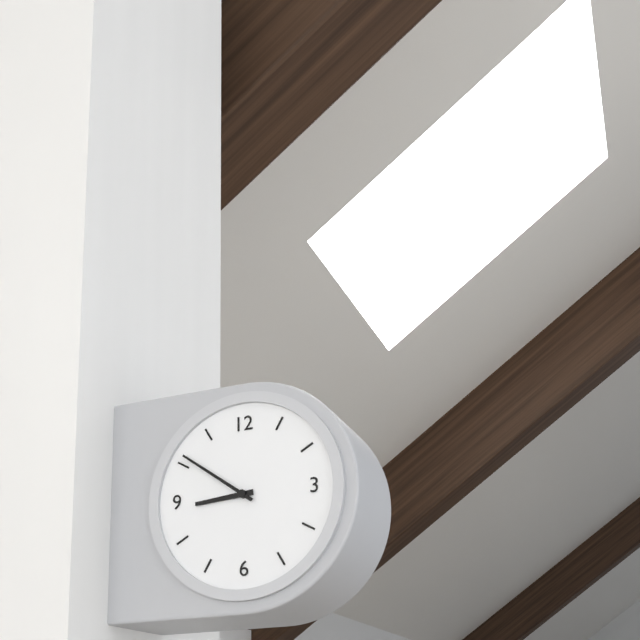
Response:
{"hour": 8, "minute": 51}
